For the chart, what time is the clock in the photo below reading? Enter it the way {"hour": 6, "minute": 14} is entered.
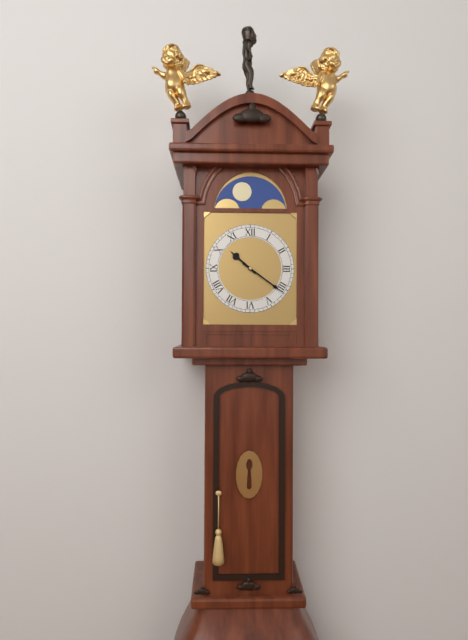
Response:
{"hour": 10, "minute": 21}
